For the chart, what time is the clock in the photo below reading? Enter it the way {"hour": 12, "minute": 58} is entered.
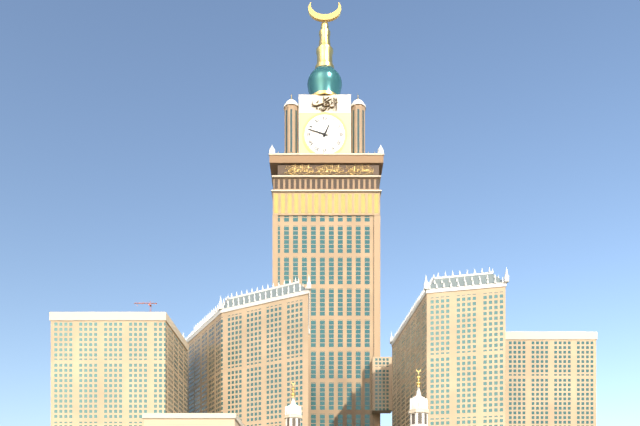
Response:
{"hour": 12, "minute": 48}
